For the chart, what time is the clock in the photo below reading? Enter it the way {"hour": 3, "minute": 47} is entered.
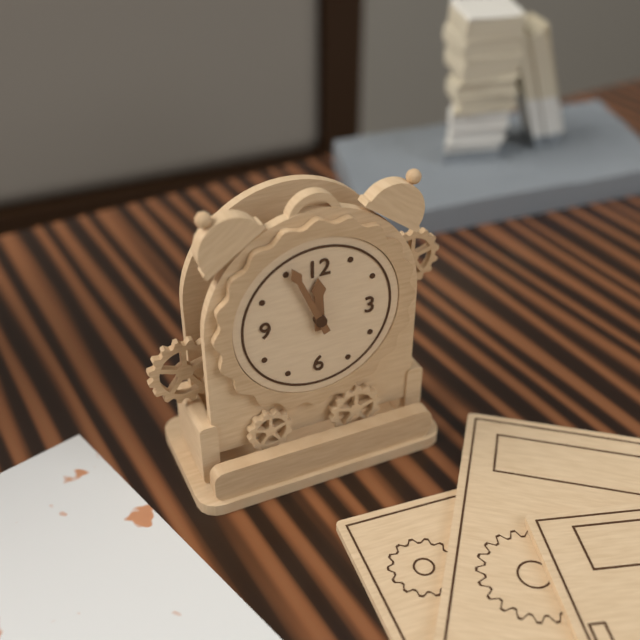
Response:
{"hour": 11, "minute": 56}
